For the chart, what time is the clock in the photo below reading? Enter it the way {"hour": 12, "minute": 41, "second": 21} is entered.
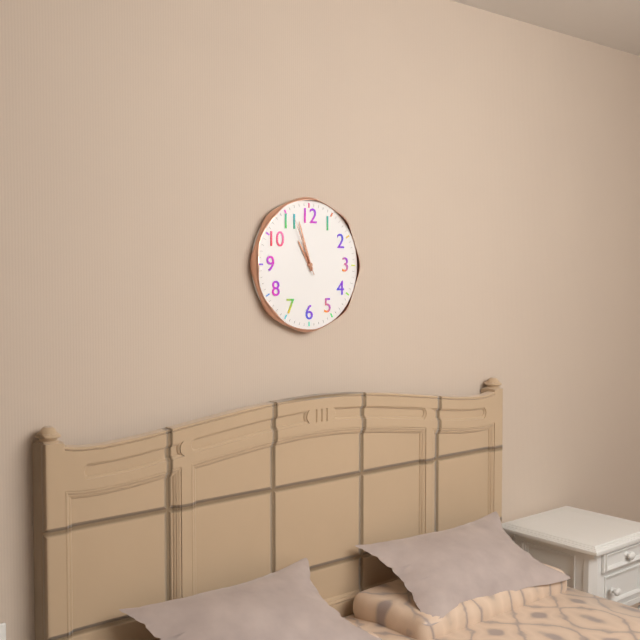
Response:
{"hour": 10, "minute": 57, "second": 56}
